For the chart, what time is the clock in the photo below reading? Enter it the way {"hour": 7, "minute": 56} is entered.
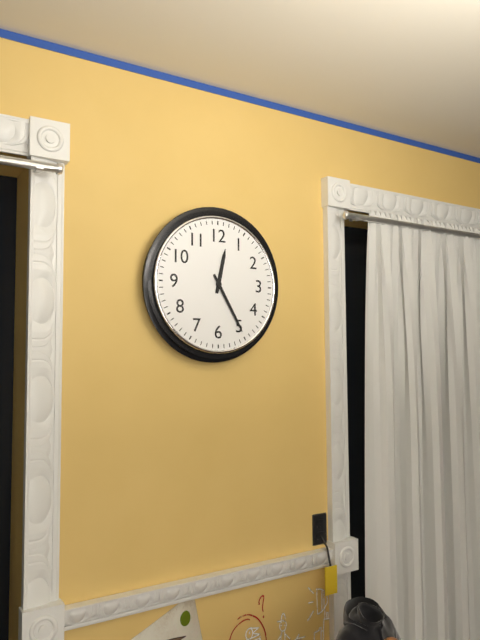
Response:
{"hour": 12, "minute": 25}
